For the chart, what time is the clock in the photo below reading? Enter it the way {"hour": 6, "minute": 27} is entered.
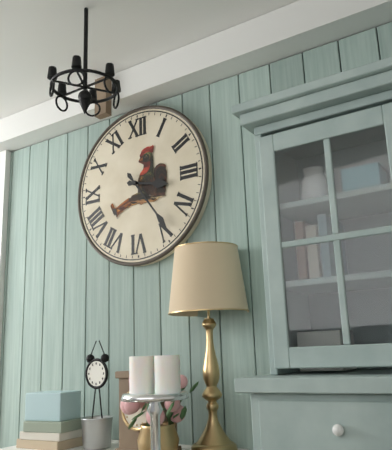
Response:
{"hour": 3, "minute": 24}
